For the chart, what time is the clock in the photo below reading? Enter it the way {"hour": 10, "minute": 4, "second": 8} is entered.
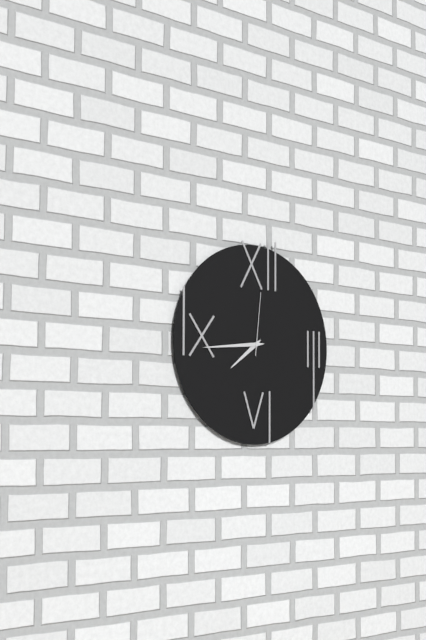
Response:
{"hour": 7, "minute": 44, "second": 1}
